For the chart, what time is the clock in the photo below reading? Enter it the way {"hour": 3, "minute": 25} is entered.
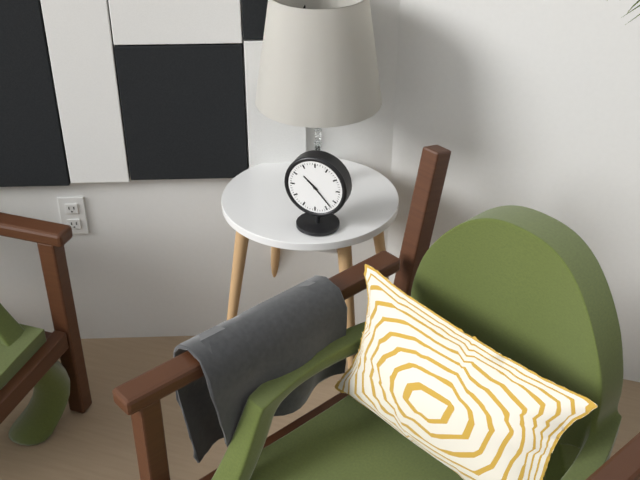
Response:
{"hour": 10, "minute": 23}
